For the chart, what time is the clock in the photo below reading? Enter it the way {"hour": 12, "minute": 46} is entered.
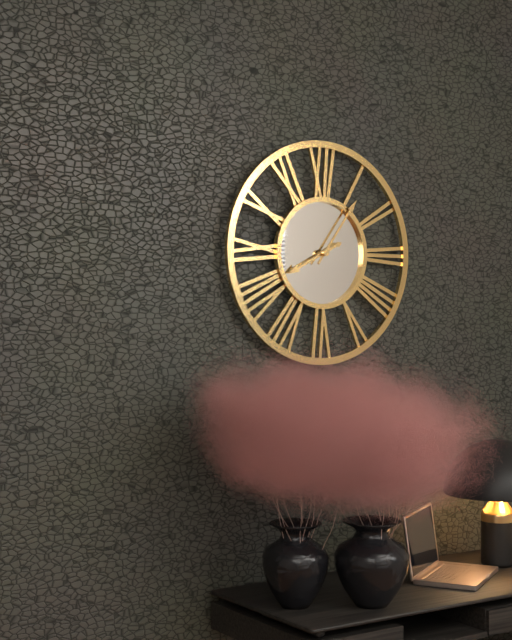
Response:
{"hour": 8, "minute": 6}
